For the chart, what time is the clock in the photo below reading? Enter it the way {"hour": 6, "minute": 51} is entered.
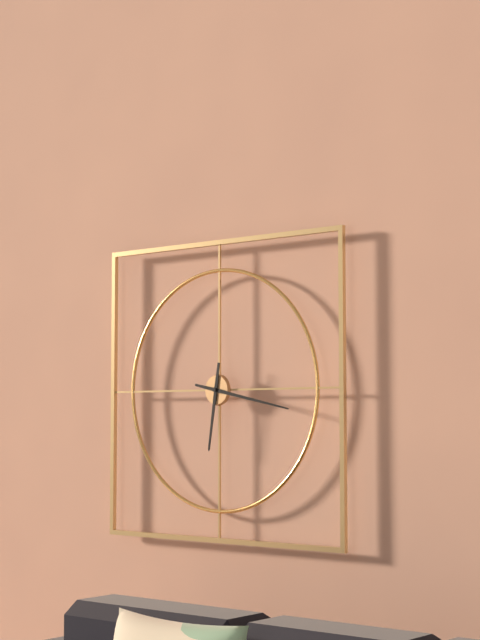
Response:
{"hour": 6, "minute": 17}
